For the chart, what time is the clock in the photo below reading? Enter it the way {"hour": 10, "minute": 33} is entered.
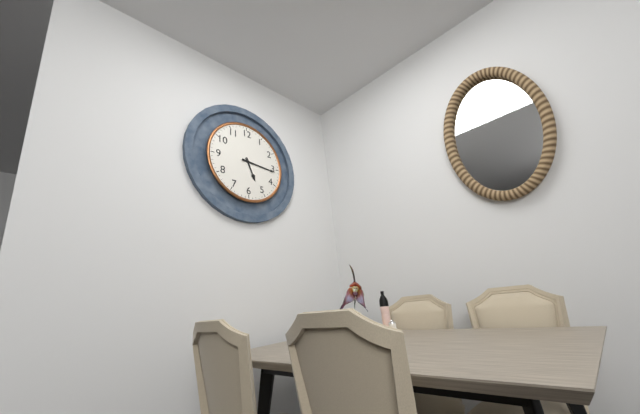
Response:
{"hour": 5, "minute": 16}
